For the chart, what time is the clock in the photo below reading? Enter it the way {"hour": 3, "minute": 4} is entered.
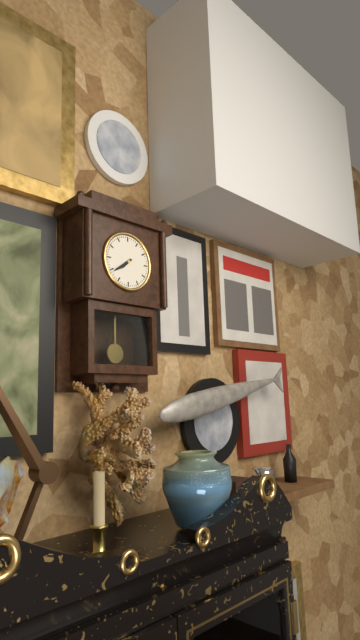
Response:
{"hour": 7, "minute": 39}
